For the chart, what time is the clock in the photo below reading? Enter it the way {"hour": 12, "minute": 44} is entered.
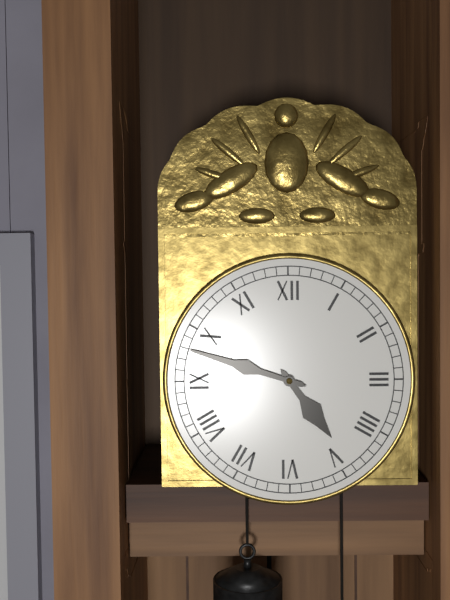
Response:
{"hour": 4, "minute": 48}
